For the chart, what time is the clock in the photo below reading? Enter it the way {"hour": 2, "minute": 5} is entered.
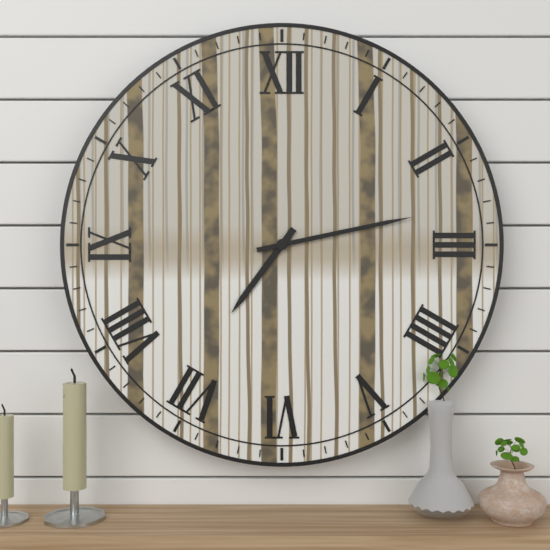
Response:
{"hour": 7, "minute": 13}
